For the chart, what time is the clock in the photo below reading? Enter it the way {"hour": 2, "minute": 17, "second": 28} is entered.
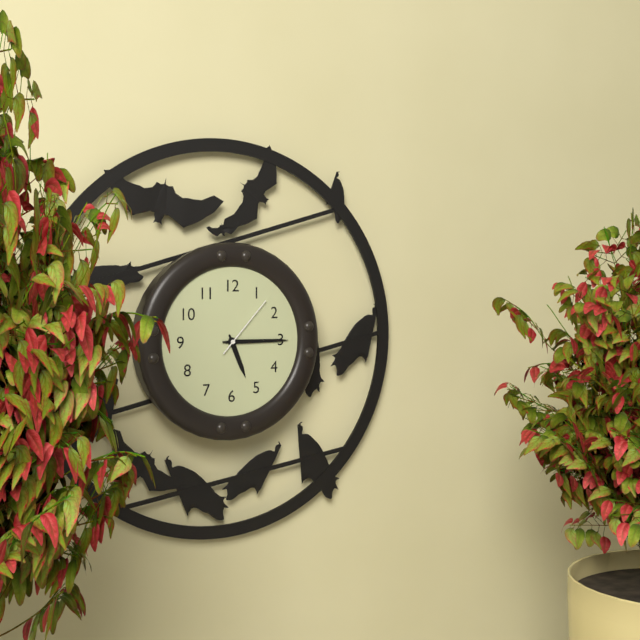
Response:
{"hour": 5, "minute": 15, "second": 7}
